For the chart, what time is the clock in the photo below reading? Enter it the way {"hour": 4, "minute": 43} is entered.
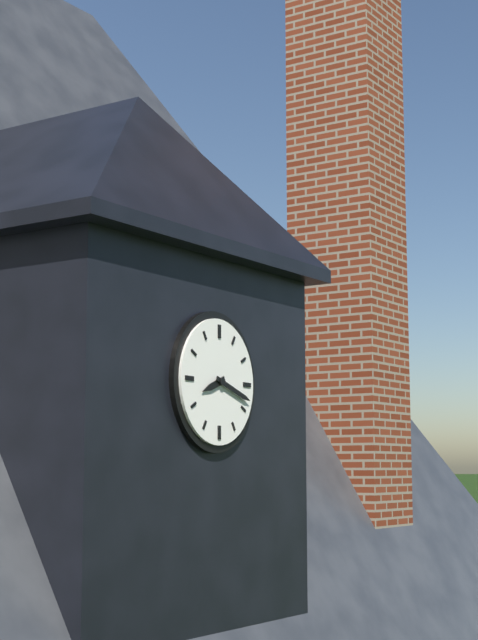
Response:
{"hour": 8, "minute": 18}
